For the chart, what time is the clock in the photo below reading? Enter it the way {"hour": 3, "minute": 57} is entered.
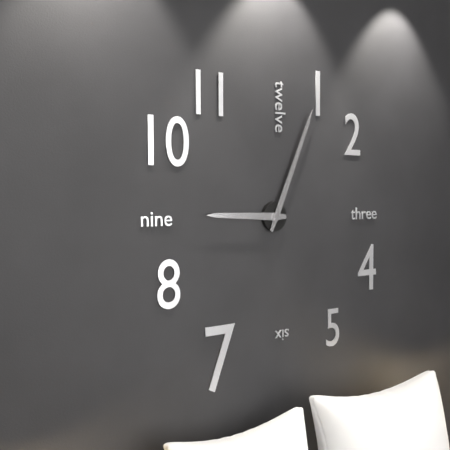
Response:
{"hour": 9, "minute": 4}
